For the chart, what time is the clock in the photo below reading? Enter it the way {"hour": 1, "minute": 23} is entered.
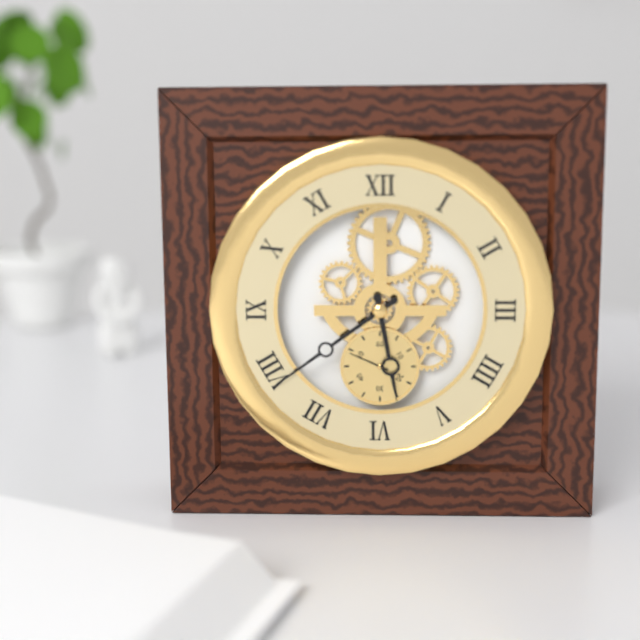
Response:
{"hour": 5, "minute": 39}
